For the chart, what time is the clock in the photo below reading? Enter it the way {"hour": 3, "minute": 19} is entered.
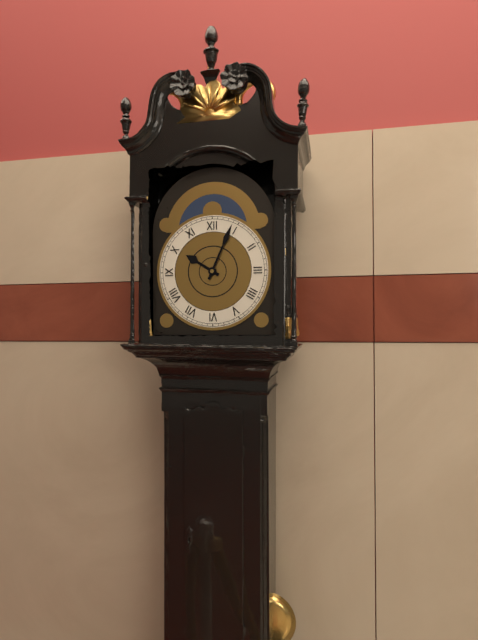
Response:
{"hour": 10, "minute": 4}
